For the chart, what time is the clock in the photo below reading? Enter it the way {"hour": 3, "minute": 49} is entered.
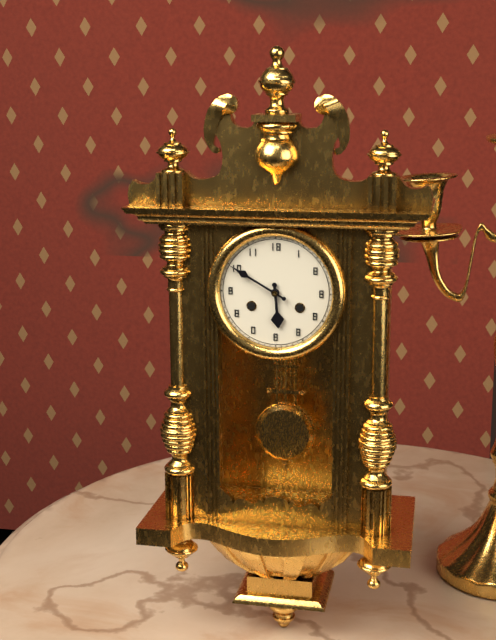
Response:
{"hour": 5, "minute": 50}
